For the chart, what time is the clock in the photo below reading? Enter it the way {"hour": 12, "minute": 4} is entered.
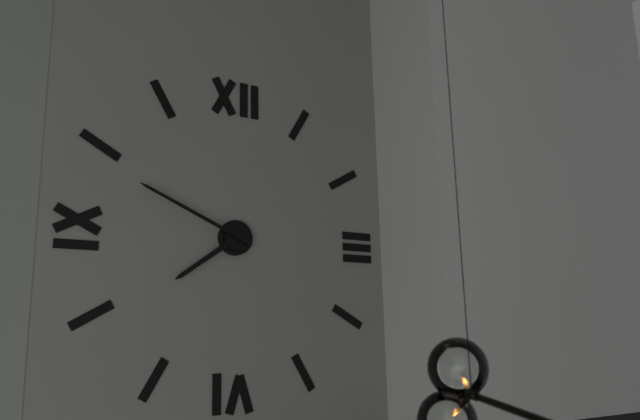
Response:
{"hour": 7, "minute": 49}
